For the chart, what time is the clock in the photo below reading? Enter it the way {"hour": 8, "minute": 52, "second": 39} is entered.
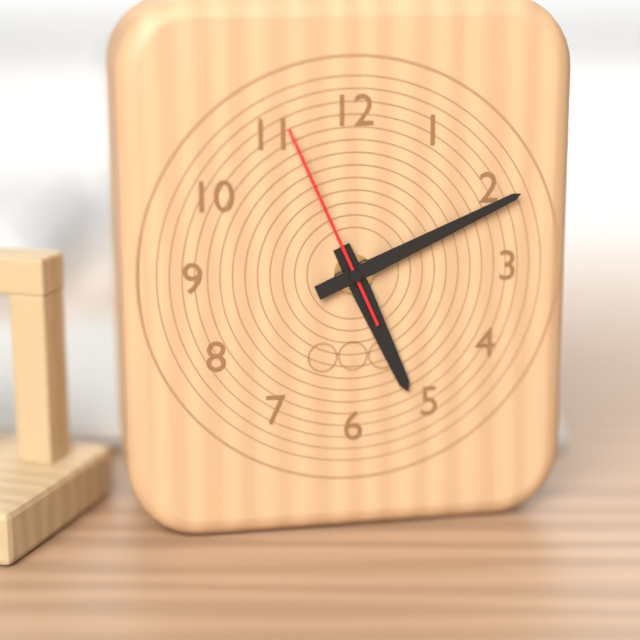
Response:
{"hour": 5, "minute": 11, "second": 56}
